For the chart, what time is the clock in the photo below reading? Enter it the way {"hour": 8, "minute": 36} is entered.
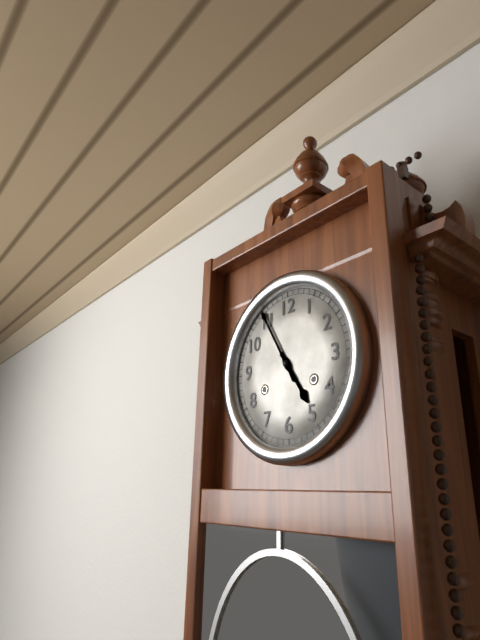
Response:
{"hour": 4, "minute": 55}
